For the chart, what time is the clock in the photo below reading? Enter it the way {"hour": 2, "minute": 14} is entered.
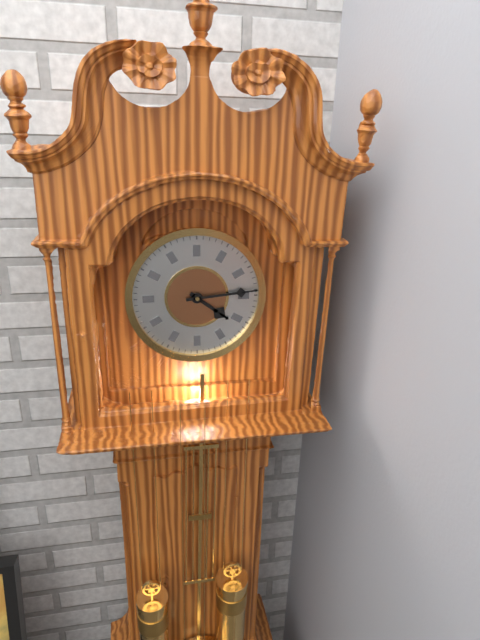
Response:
{"hour": 4, "minute": 14}
